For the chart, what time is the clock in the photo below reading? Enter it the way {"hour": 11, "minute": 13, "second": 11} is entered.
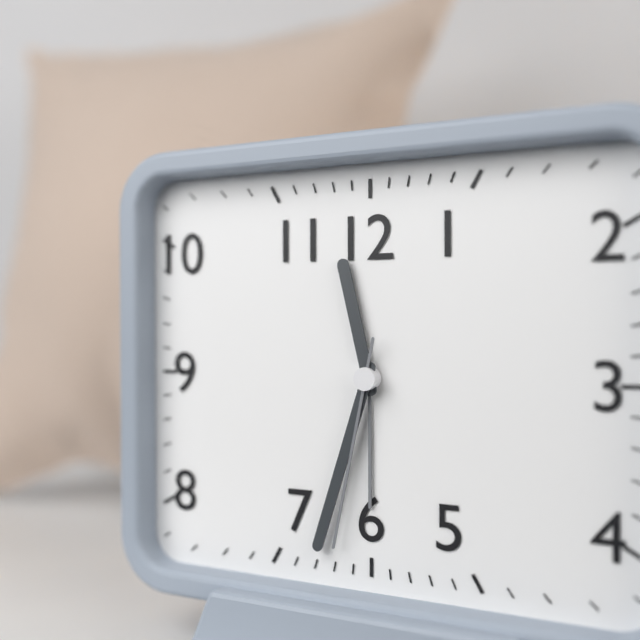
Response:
{"hour": 11, "minute": 33, "second": 32}
